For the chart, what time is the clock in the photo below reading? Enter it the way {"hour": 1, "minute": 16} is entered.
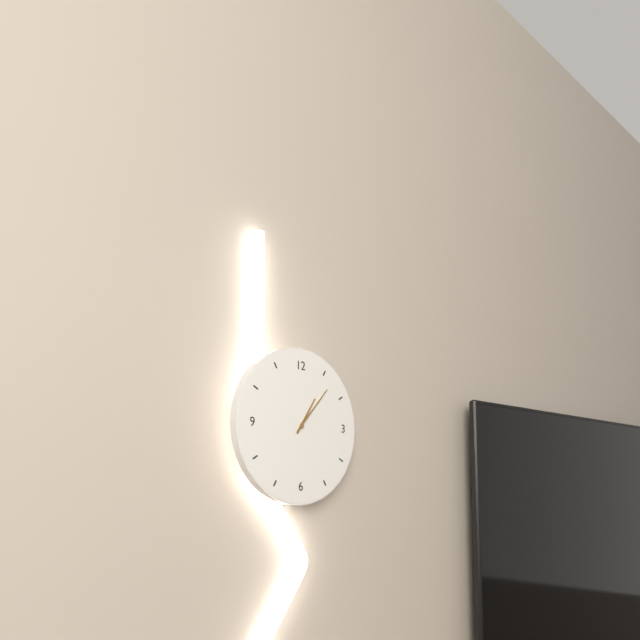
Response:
{"hour": 1, "minute": 7}
